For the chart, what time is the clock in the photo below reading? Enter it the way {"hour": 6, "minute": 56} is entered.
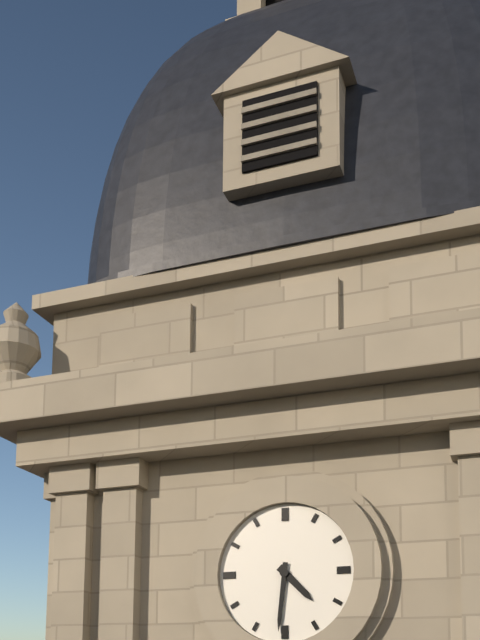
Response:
{"hour": 4, "minute": 31}
